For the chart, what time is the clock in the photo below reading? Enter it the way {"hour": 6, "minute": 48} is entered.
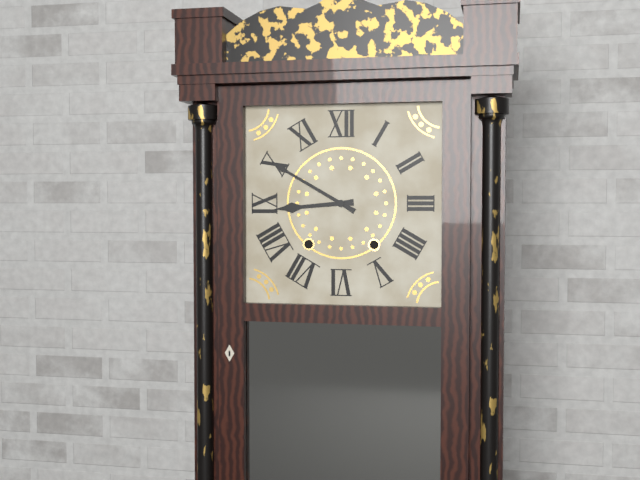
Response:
{"hour": 8, "minute": 50}
